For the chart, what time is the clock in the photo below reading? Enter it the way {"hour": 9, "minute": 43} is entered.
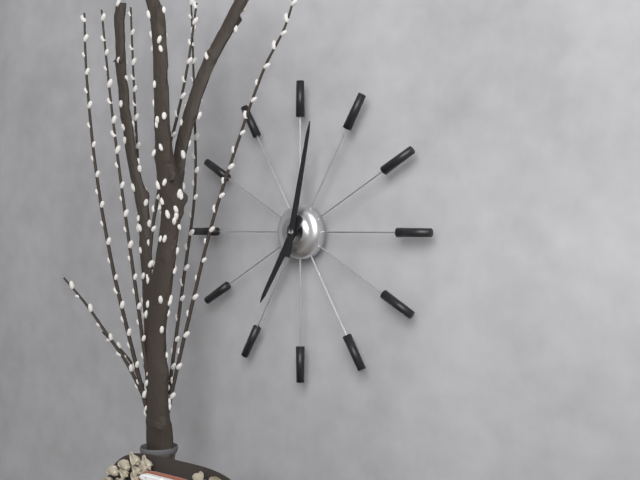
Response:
{"hour": 7, "minute": 2}
